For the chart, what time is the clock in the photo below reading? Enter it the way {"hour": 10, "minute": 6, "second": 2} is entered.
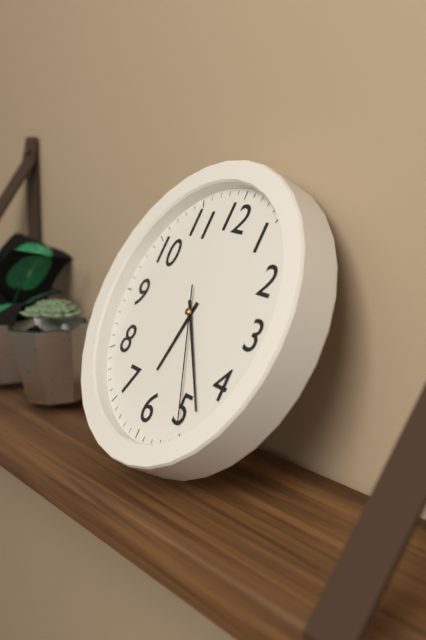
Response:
{"hour": 6, "minute": 23, "second": 25}
